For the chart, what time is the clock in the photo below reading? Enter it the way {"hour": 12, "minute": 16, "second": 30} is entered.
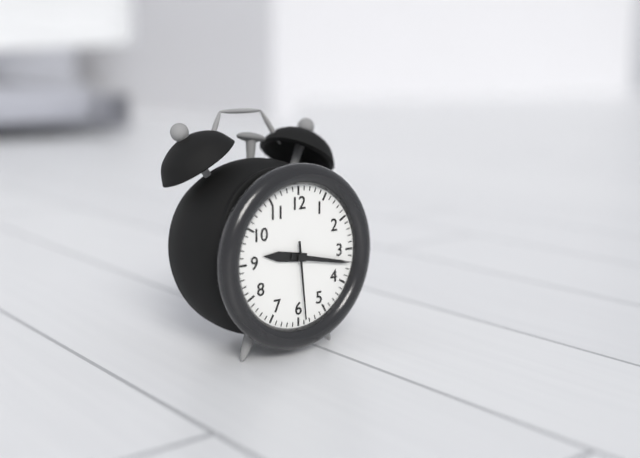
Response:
{"hour": 9, "minute": 17, "second": 29}
